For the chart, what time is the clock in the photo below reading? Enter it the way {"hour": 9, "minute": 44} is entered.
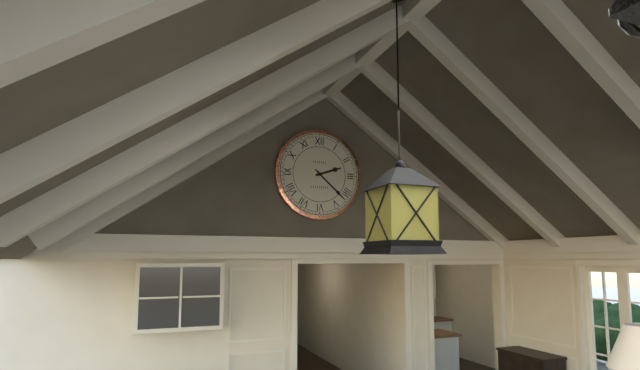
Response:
{"hour": 2, "minute": 22}
